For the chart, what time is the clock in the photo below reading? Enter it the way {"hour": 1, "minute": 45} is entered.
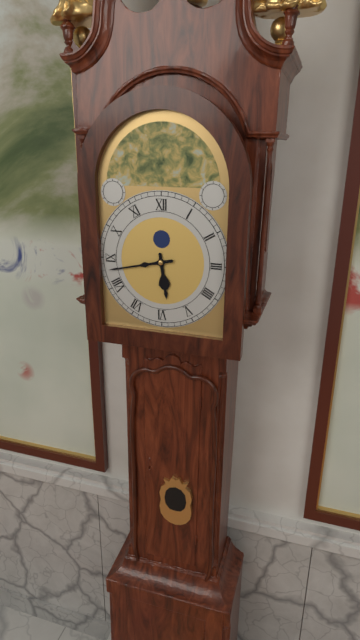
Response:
{"hour": 5, "minute": 43}
